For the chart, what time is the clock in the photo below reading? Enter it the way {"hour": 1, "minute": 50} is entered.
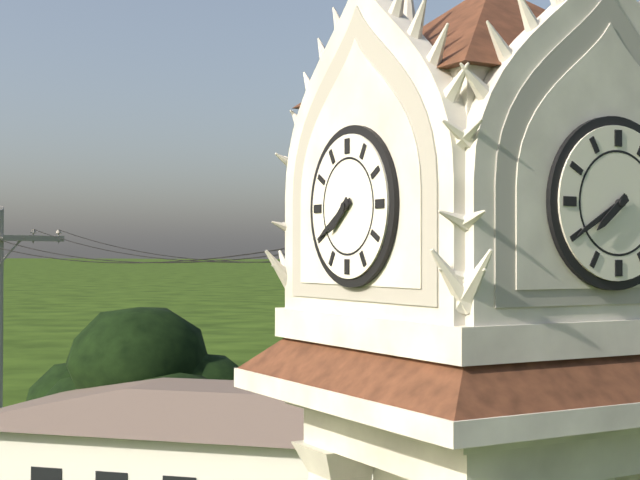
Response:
{"hour": 7, "minute": 40}
